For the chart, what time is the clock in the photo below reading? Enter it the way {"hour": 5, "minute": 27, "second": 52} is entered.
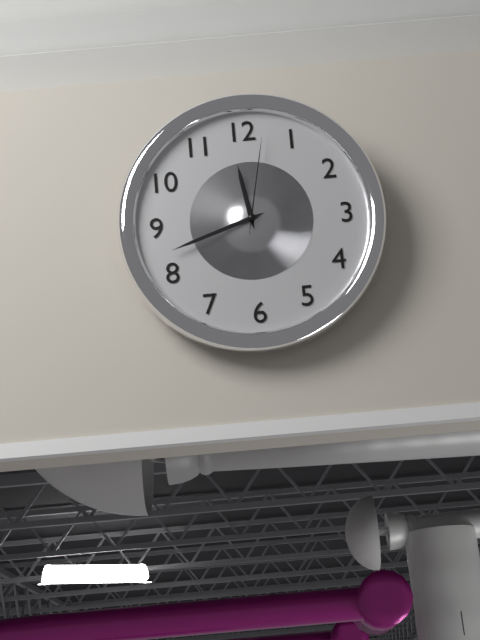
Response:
{"hour": 11, "minute": 42, "second": 2}
